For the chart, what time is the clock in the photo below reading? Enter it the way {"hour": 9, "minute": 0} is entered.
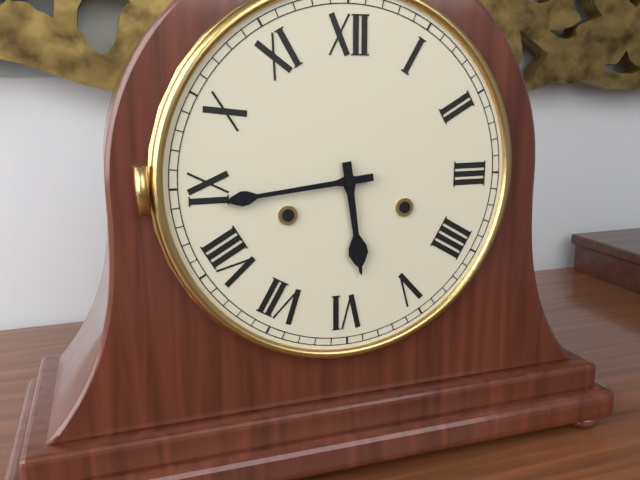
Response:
{"hour": 5, "minute": 44}
